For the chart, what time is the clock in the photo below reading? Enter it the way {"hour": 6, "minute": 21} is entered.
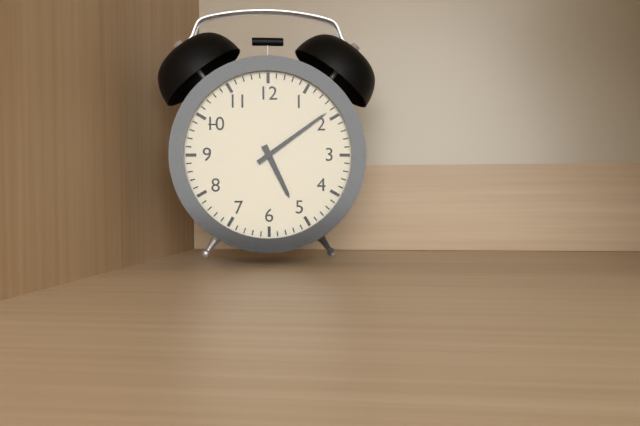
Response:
{"hour": 5, "minute": 9}
